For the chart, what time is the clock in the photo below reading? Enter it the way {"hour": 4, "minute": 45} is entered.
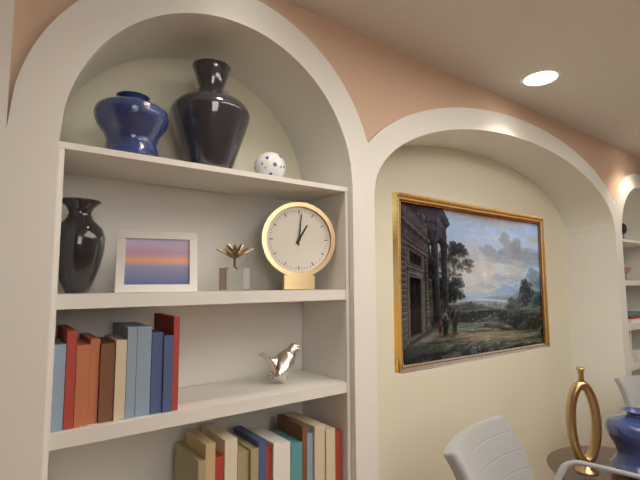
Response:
{"hour": 1, "minute": 1}
